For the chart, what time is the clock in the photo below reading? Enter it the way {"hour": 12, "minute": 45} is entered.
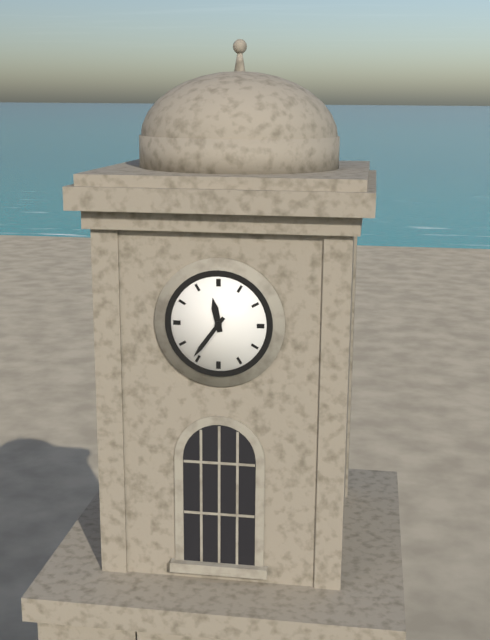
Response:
{"hour": 11, "minute": 36}
